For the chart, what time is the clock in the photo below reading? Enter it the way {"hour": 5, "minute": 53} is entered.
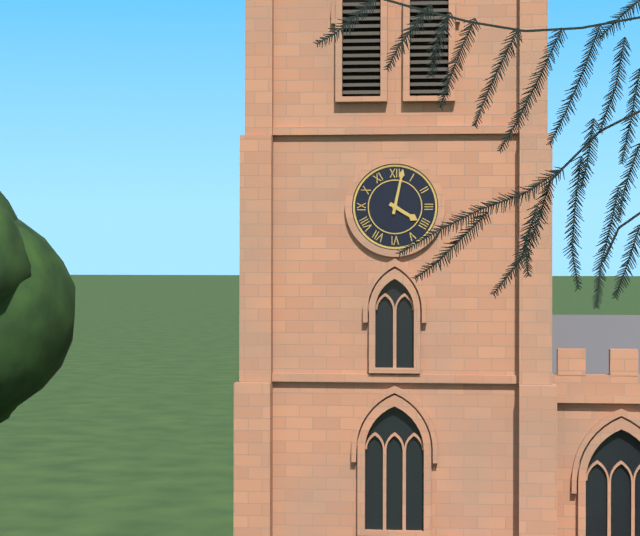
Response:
{"hour": 4, "minute": 2}
